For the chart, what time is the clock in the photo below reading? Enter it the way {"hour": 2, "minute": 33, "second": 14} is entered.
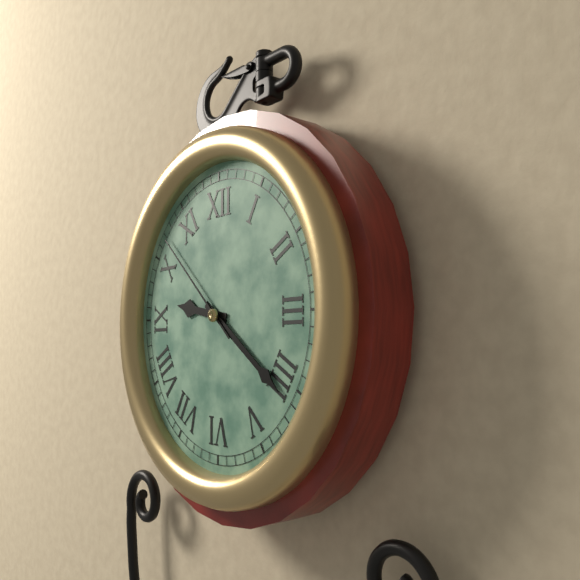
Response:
{"hour": 9, "minute": 21, "second": 52}
